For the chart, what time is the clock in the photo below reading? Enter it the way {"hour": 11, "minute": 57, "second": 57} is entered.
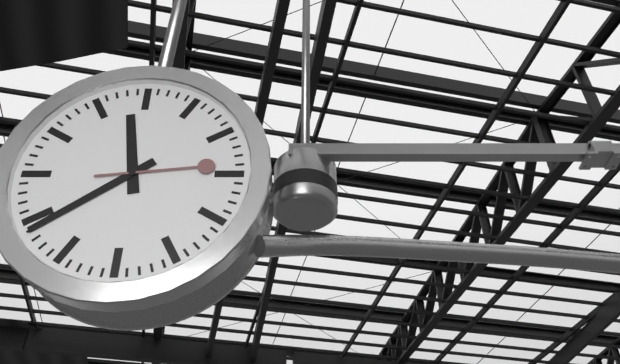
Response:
{"hour": 11, "minute": 39, "second": 14}
